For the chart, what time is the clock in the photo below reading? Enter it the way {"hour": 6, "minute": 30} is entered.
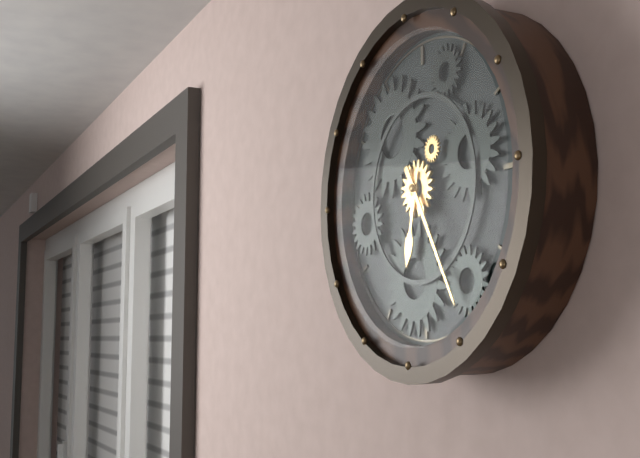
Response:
{"hour": 6, "minute": 25}
